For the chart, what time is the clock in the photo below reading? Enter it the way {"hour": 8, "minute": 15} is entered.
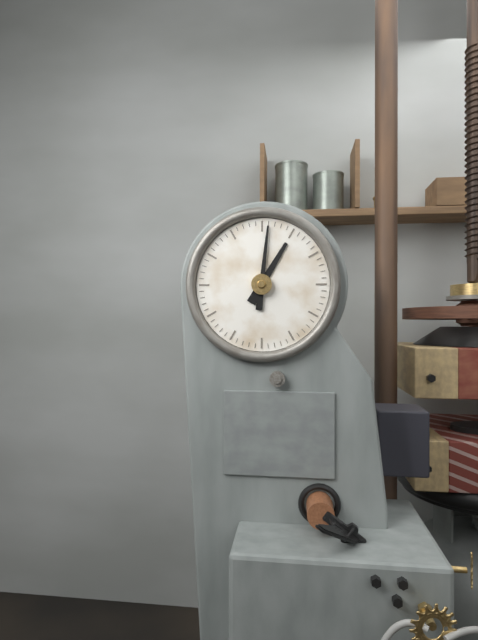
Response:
{"hour": 1, "minute": 1}
